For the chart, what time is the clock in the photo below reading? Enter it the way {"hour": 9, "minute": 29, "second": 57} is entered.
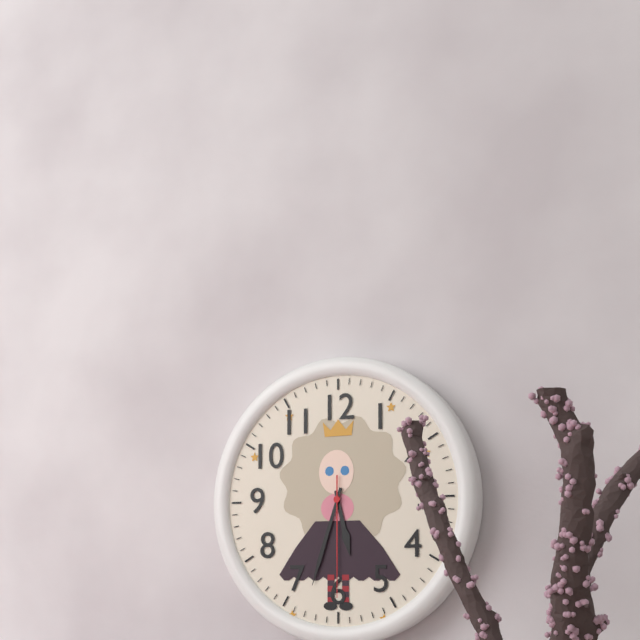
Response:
{"hour": 5, "minute": 33, "second": 30}
